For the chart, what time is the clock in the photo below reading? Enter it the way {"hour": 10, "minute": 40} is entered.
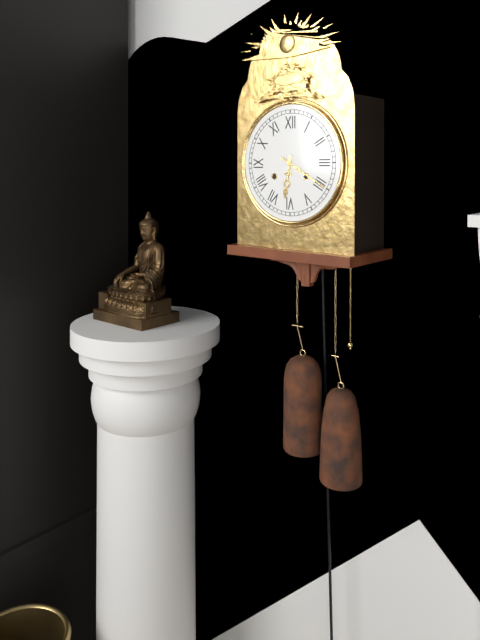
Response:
{"hour": 6, "minute": 20}
